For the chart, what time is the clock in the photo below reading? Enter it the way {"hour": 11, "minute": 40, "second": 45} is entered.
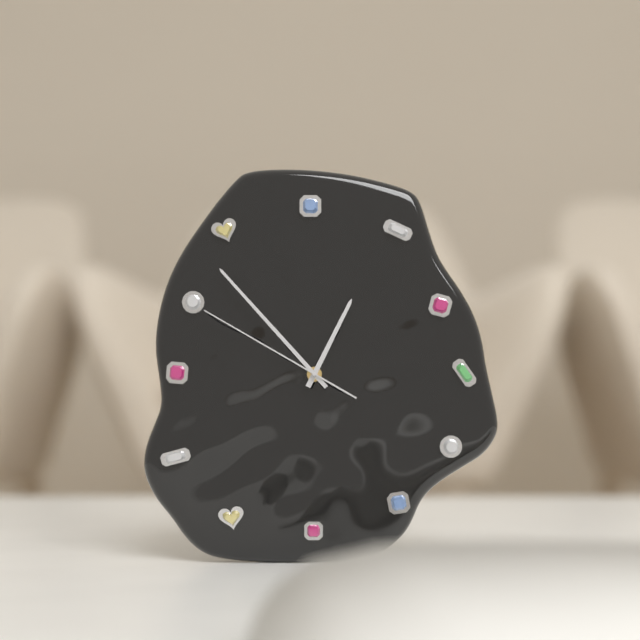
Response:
{"hour": 12, "minute": 53, "second": 50}
